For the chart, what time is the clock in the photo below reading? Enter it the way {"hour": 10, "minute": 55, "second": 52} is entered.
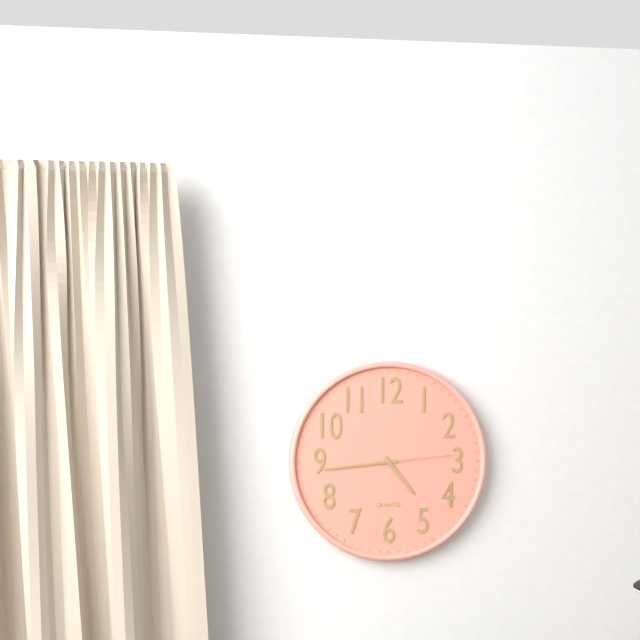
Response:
{"hour": 4, "minute": 44, "second": 14}
